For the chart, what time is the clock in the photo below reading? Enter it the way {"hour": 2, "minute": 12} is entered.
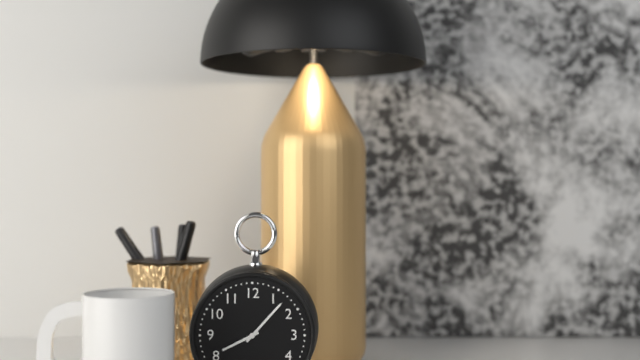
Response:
{"hour": 8, "minute": 7}
